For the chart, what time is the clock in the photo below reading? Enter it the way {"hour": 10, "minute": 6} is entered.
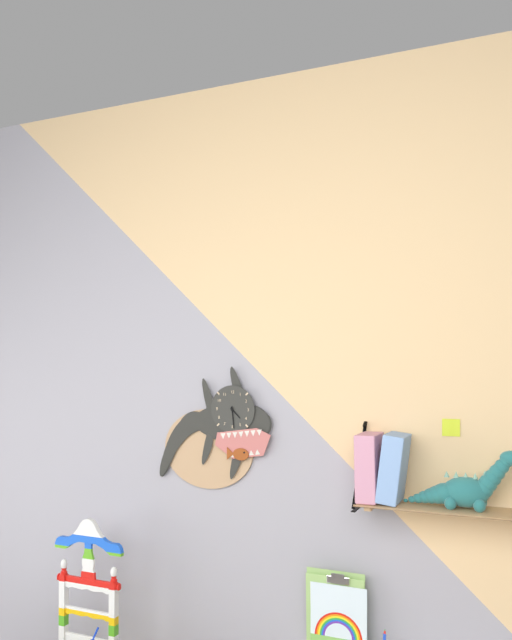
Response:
{"hour": 4, "minute": 29}
